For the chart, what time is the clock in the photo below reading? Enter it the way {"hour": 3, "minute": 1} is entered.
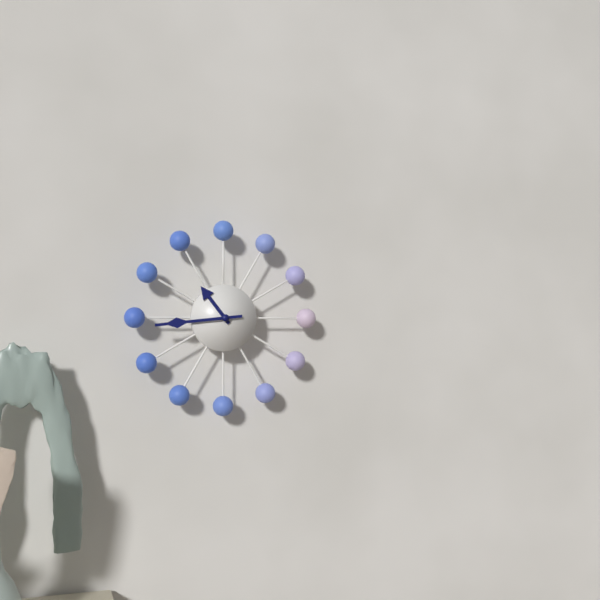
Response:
{"hour": 10, "minute": 44}
